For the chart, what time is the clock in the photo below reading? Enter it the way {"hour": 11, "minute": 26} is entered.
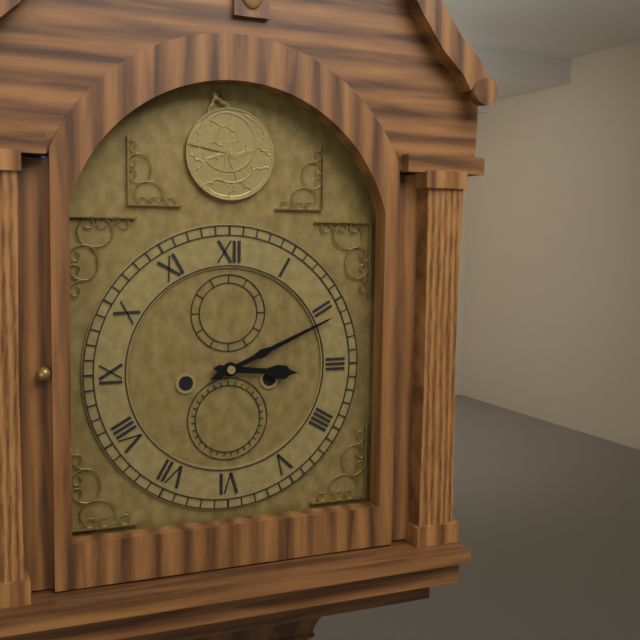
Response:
{"hour": 3, "minute": 11}
